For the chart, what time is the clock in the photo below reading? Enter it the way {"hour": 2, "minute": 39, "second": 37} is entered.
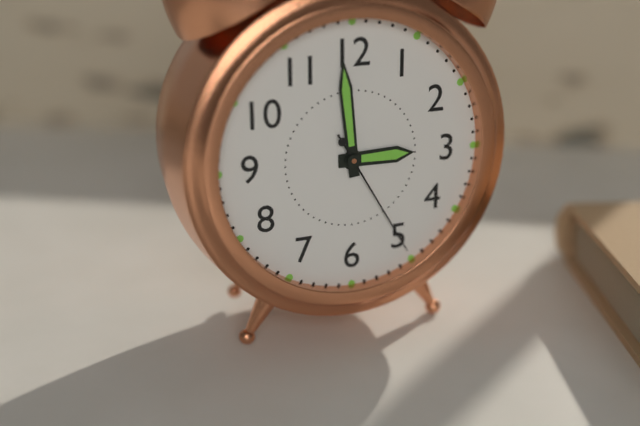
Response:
{"hour": 2, "minute": 59, "second": 25}
